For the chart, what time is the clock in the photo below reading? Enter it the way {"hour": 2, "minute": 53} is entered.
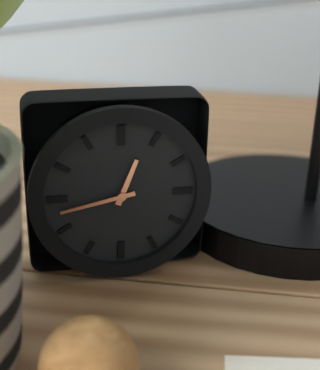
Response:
{"hour": 12, "minute": 43}
